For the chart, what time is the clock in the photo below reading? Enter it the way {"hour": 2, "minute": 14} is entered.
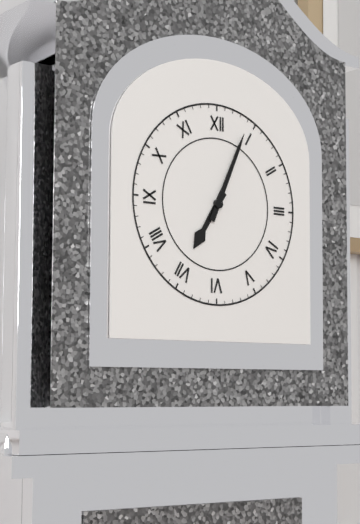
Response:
{"hour": 7, "minute": 4}
